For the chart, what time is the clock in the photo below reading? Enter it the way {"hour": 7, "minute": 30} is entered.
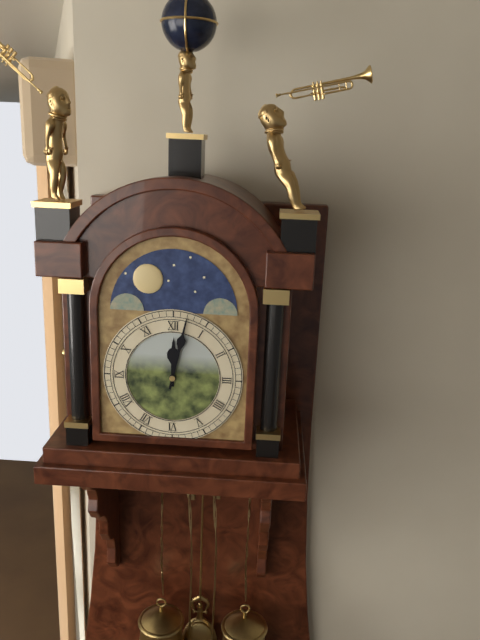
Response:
{"hour": 12, "minute": 2}
